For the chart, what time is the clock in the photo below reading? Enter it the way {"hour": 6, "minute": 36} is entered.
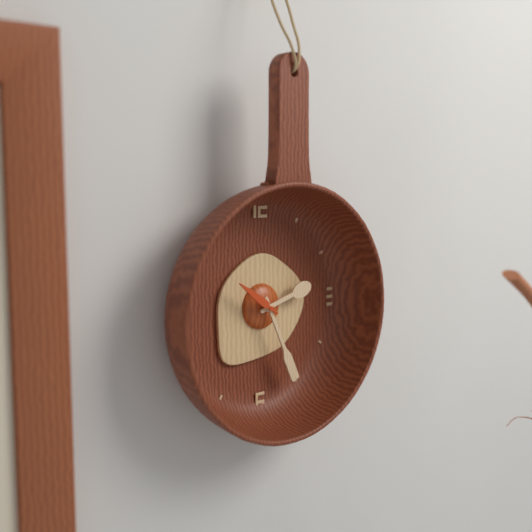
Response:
{"hour": 2, "minute": 26}
